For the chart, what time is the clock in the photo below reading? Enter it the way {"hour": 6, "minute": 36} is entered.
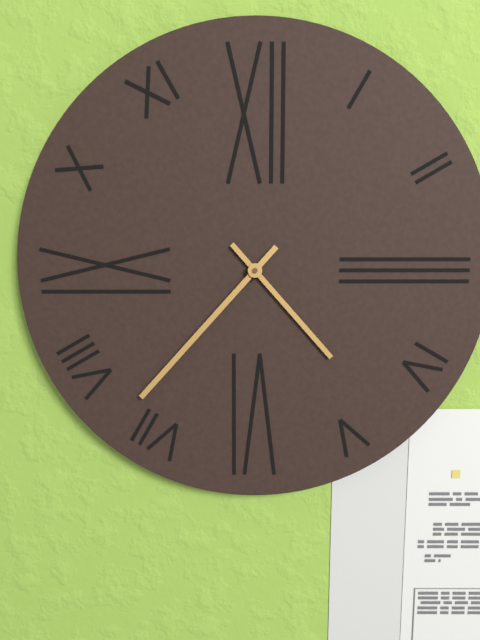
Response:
{"hour": 4, "minute": 37}
